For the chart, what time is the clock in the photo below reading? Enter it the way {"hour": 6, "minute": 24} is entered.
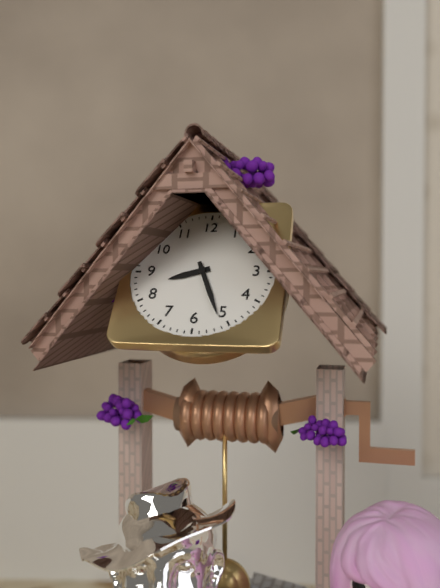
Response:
{"hour": 8, "minute": 26}
